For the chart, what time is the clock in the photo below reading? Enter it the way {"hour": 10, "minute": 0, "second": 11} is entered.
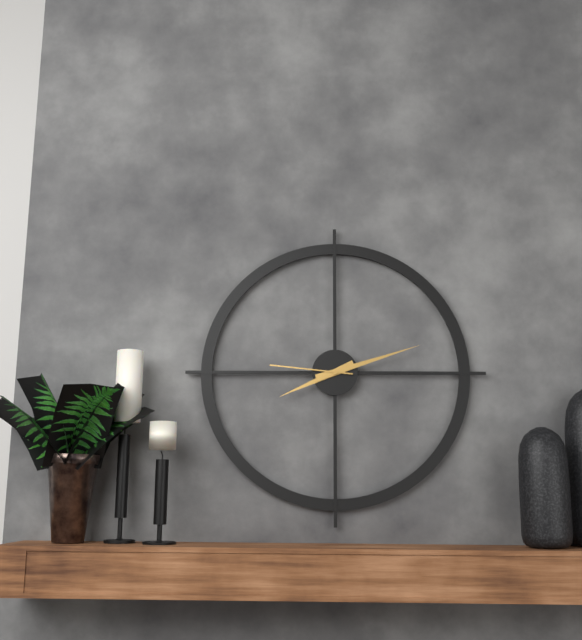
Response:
{"hour": 8, "minute": 12, "second": 46}
